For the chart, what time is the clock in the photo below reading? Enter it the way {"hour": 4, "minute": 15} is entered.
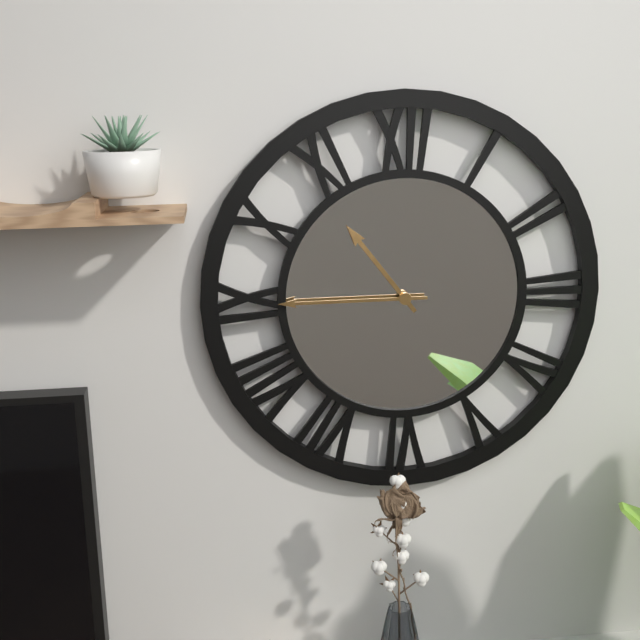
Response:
{"hour": 10, "minute": 45}
